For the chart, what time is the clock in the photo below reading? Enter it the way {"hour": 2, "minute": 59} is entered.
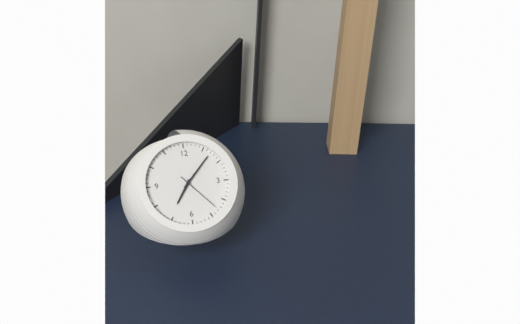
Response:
{"hour": 7, "minute": 7}
